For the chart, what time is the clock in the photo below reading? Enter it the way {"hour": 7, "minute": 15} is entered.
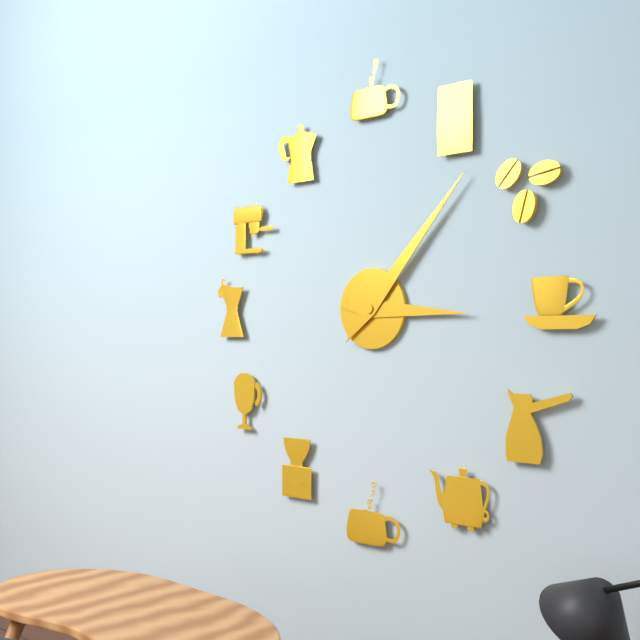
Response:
{"hour": 3, "minute": 7}
